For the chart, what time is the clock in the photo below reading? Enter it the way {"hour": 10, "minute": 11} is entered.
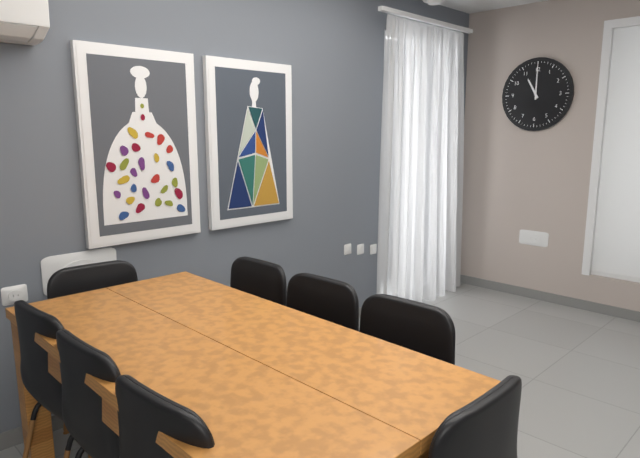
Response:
{"hour": 11, "minute": 0}
